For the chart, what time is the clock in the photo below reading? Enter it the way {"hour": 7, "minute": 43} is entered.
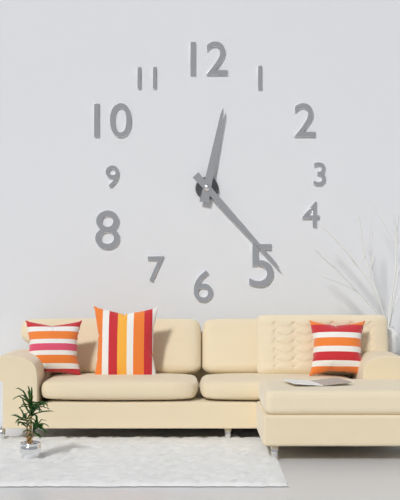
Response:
{"hour": 12, "minute": 23}
